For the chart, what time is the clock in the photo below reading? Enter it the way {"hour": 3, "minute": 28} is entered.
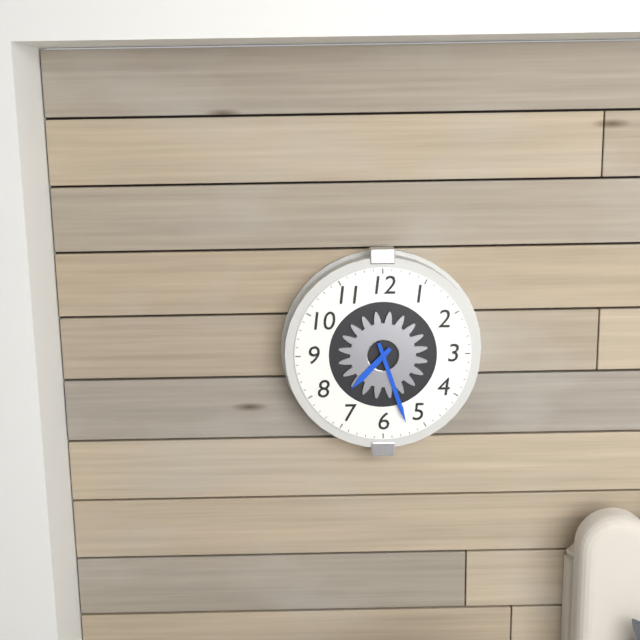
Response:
{"hour": 7, "minute": 27}
